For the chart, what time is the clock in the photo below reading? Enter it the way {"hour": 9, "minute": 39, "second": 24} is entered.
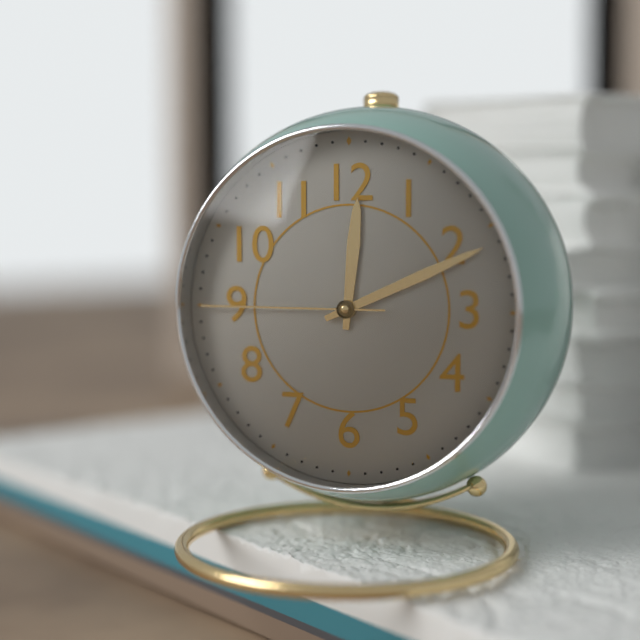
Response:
{"hour": 12, "minute": 11, "second": 45}
